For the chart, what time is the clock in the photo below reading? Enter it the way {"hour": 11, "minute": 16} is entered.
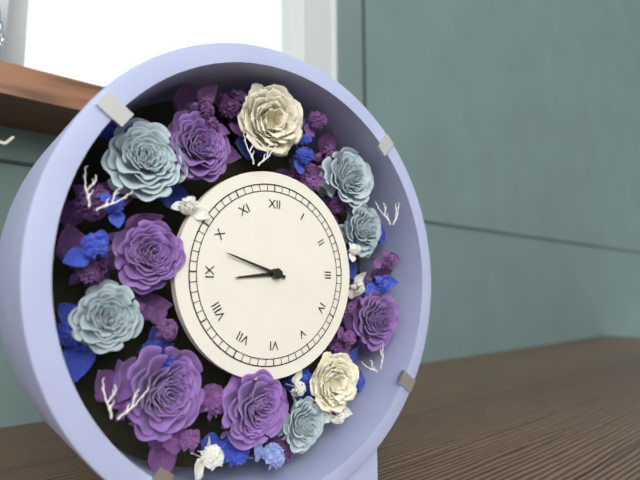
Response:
{"hour": 8, "minute": 48}
